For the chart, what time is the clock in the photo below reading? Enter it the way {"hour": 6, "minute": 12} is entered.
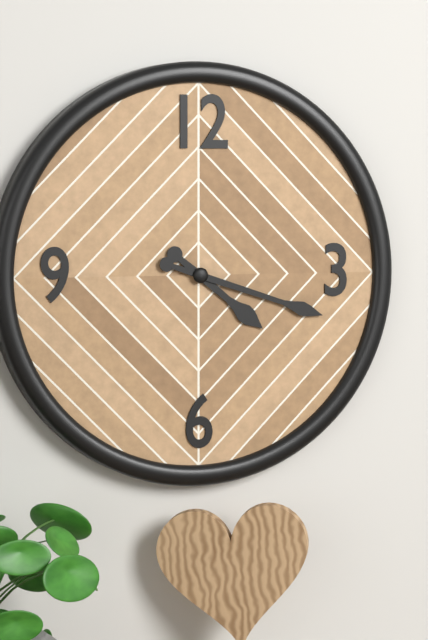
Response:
{"hour": 4, "minute": 18}
